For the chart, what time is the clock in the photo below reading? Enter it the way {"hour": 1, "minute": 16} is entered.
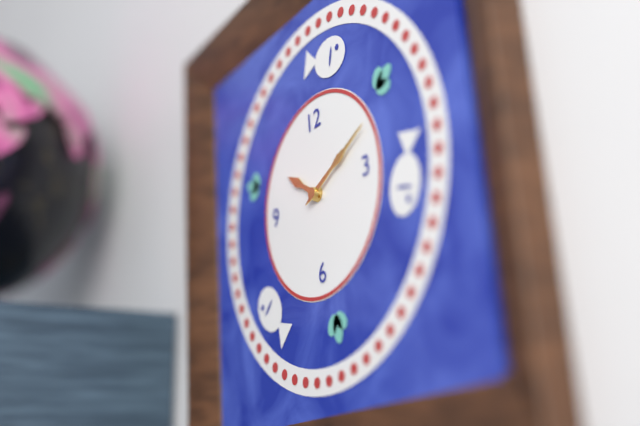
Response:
{"hour": 10, "minute": 11}
